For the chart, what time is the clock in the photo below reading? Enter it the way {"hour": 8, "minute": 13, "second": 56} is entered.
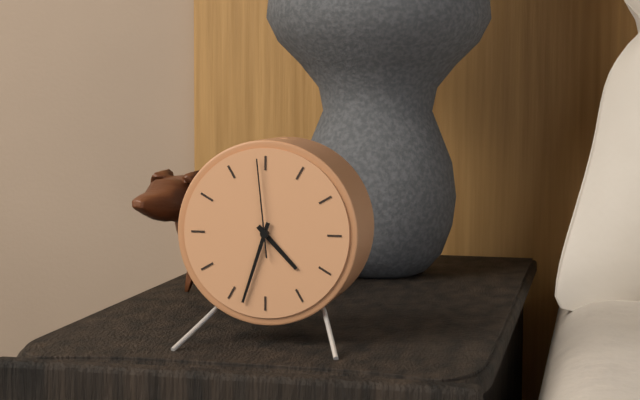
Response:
{"hour": 4, "minute": 33, "second": 59}
